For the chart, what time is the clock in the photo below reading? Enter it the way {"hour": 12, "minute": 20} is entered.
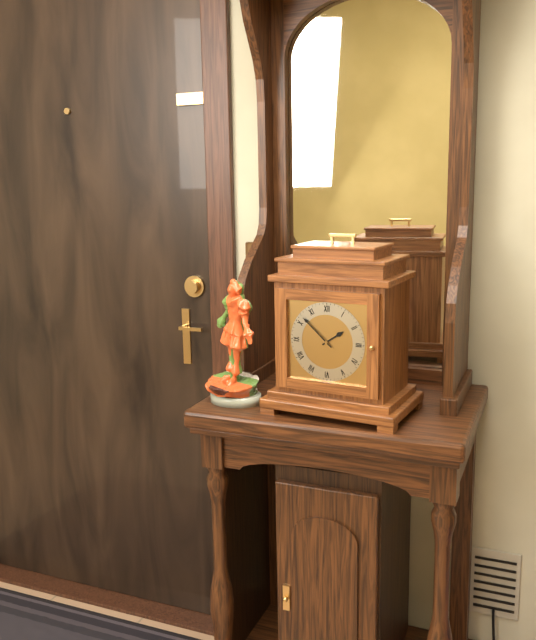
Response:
{"hour": 1, "minute": 52}
